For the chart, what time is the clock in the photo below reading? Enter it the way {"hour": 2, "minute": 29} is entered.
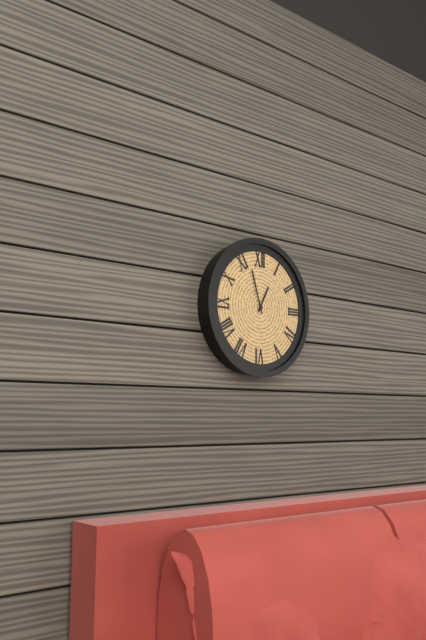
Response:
{"hour": 12, "minute": 57}
